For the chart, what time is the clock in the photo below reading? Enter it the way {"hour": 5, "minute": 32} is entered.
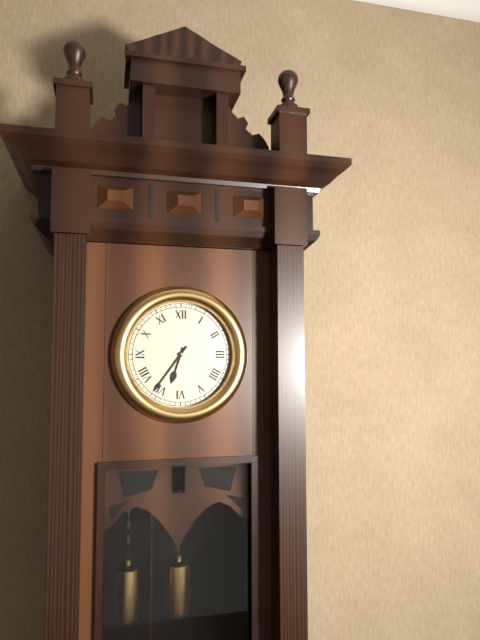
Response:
{"hour": 6, "minute": 36}
